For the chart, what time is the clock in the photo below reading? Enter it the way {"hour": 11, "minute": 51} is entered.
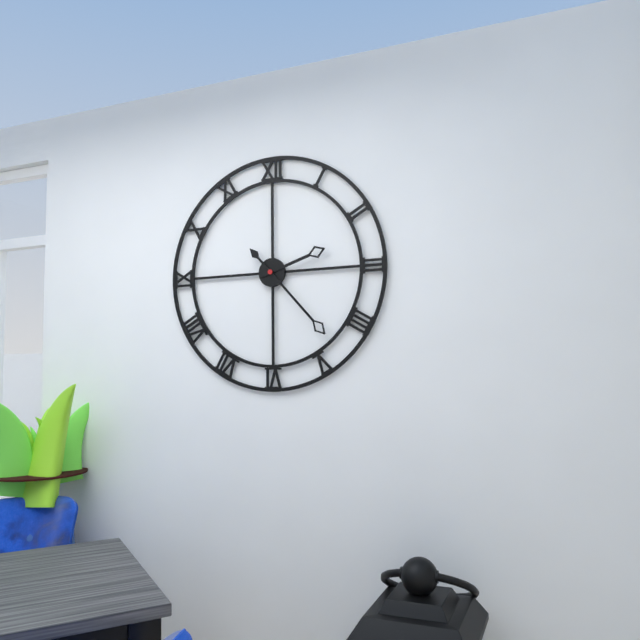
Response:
{"hour": 2, "minute": 23}
